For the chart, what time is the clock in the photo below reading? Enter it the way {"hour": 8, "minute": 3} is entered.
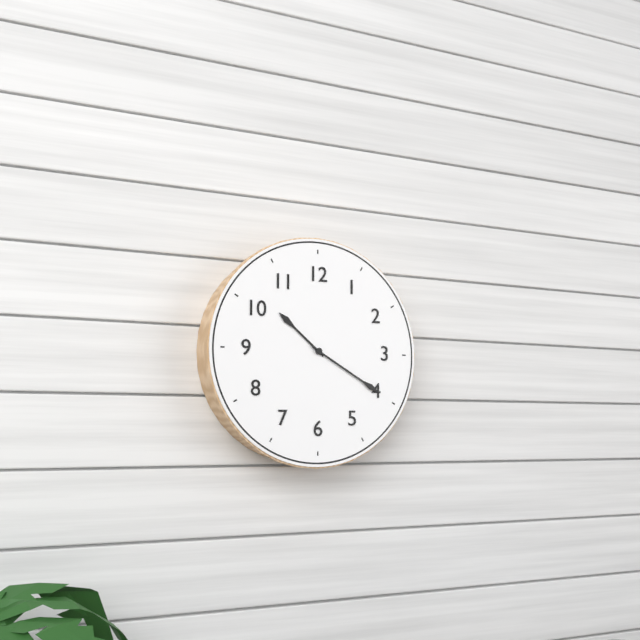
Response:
{"hour": 10, "minute": 20}
